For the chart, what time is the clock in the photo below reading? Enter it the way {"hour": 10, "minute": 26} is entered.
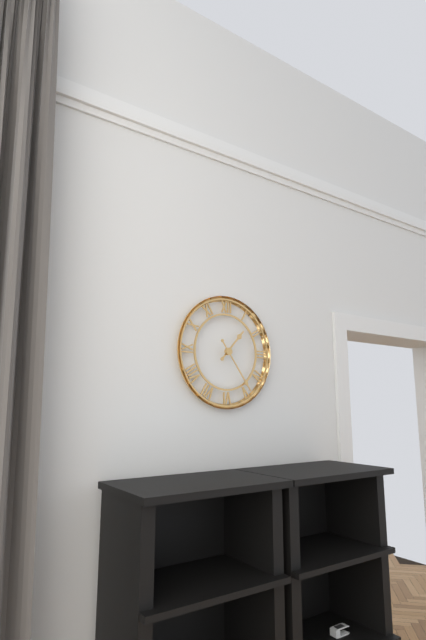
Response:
{"hour": 1, "minute": 24}
